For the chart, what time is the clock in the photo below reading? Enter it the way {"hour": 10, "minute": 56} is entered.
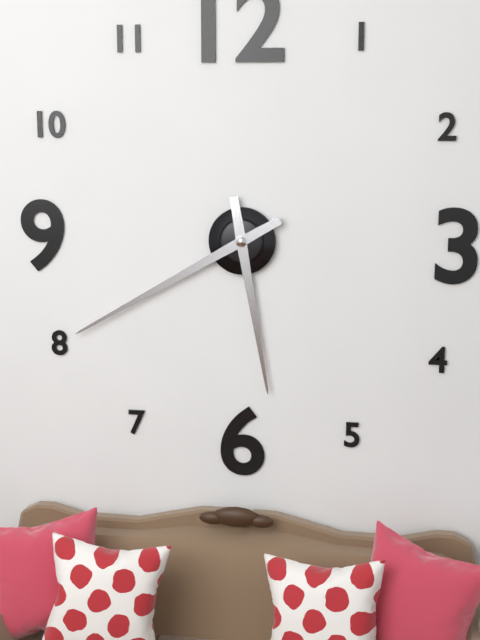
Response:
{"hour": 5, "minute": 40}
